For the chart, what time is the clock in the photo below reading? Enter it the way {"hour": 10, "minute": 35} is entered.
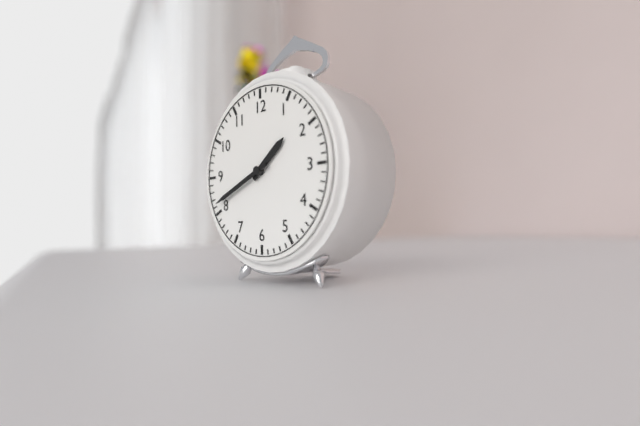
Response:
{"hour": 1, "minute": 41}
